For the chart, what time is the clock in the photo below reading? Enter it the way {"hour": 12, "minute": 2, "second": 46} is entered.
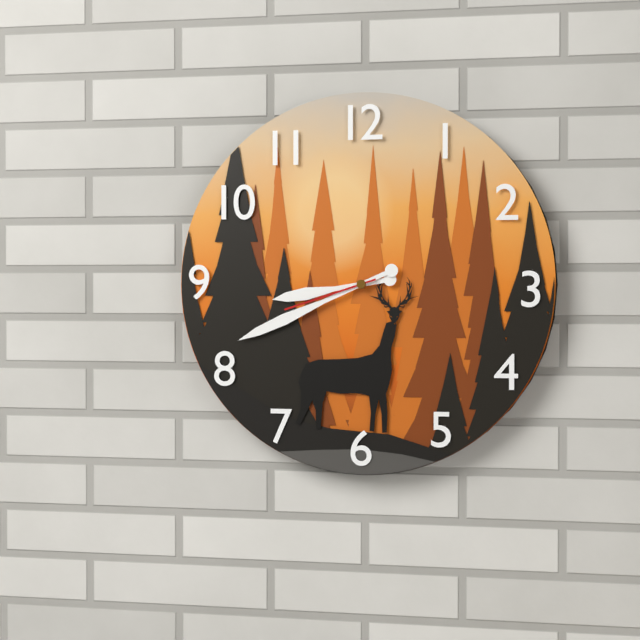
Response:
{"hour": 8, "minute": 41, "second": 42}
